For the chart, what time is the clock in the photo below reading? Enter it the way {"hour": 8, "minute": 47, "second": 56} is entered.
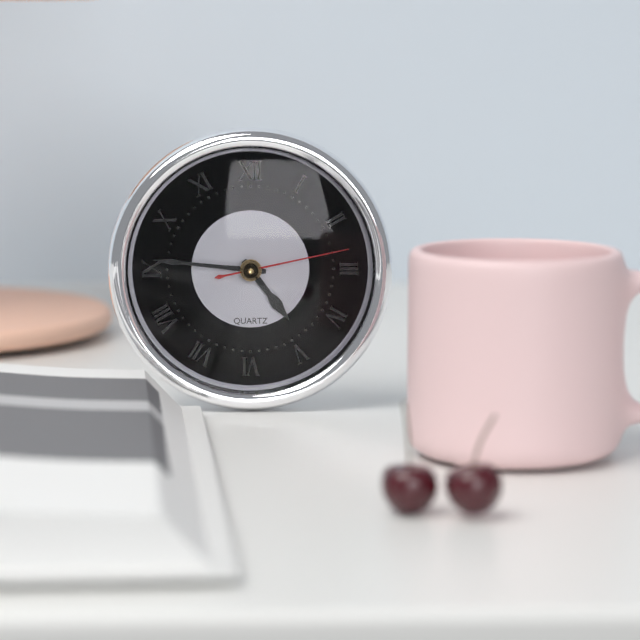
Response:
{"hour": 4, "minute": 46, "second": 13}
